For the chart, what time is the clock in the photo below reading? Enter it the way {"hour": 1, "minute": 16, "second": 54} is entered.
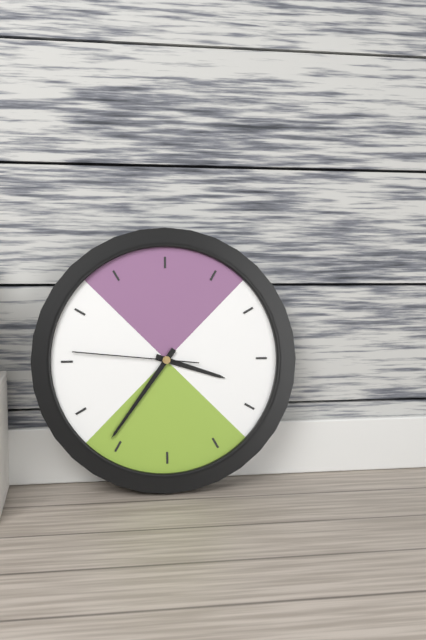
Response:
{"hour": 3, "minute": 36, "second": 46}
